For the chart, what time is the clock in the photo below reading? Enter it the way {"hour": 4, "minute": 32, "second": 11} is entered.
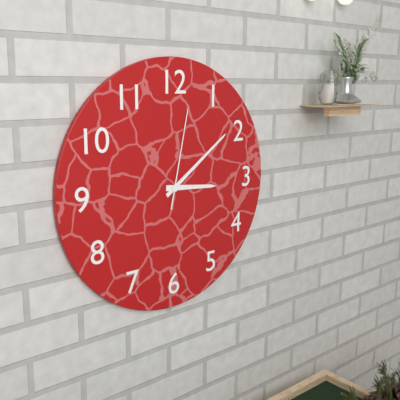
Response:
{"hour": 3, "minute": 9, "second": 2}
